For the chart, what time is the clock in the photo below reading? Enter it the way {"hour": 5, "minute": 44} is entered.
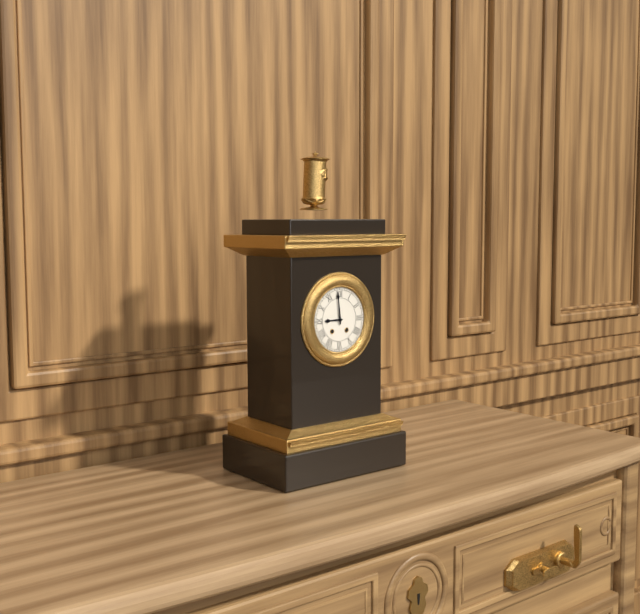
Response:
{"hour": 8, "minute": 59}
